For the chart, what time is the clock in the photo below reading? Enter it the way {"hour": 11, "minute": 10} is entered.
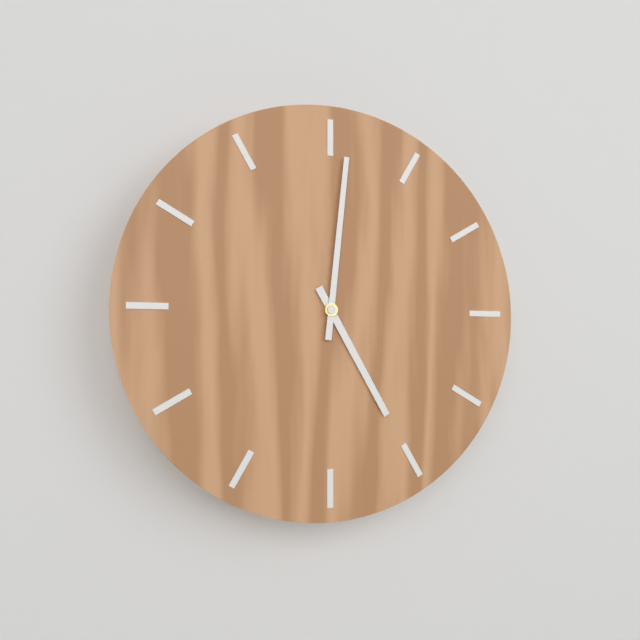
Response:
{"hour": 5, "minute": 1}
